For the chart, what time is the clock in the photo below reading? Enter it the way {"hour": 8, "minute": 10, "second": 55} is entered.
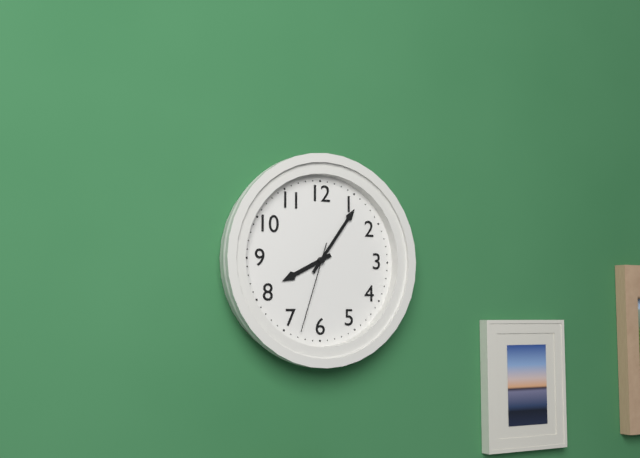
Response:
{"hour": 8, "minute": 6, "second": 33}
